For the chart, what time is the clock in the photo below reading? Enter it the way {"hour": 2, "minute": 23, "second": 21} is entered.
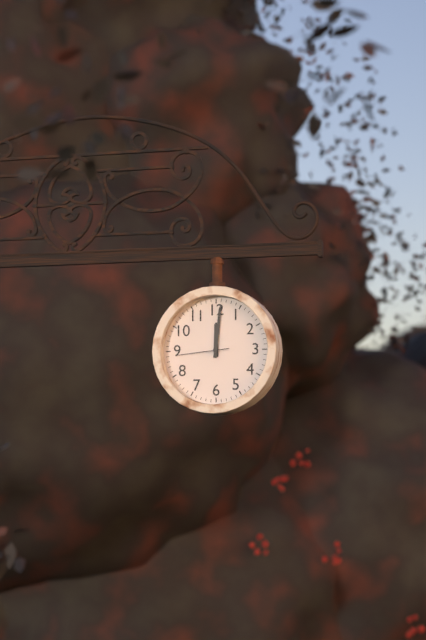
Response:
{"hour": 12, "minute": 1, "second": 44}
